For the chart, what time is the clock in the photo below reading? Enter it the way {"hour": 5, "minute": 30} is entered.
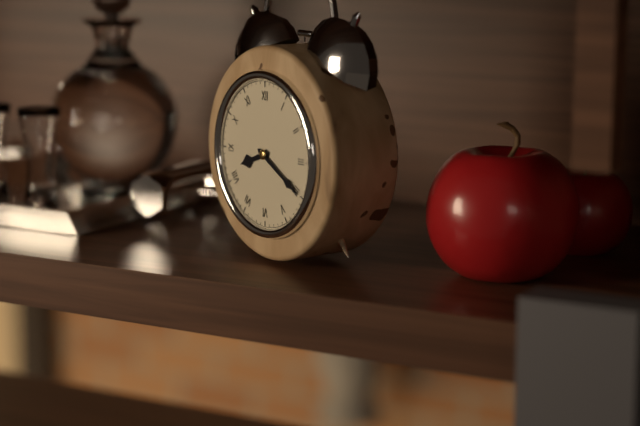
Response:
{"hour": 8, "minute": 20}
